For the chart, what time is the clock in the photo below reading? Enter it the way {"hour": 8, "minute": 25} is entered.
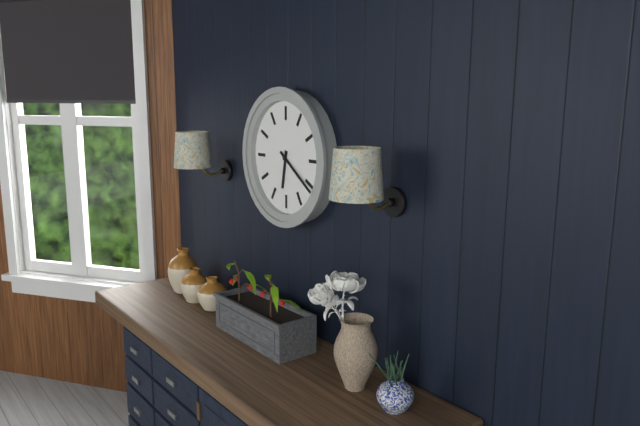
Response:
{"hour": 6, "minute": 21}
